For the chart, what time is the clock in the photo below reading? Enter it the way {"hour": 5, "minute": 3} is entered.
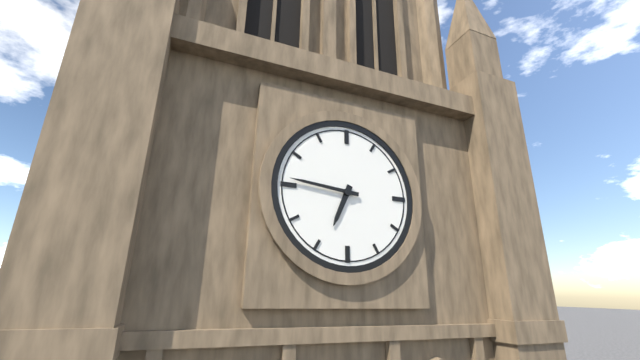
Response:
{"hour": 6, "minute": 46}
